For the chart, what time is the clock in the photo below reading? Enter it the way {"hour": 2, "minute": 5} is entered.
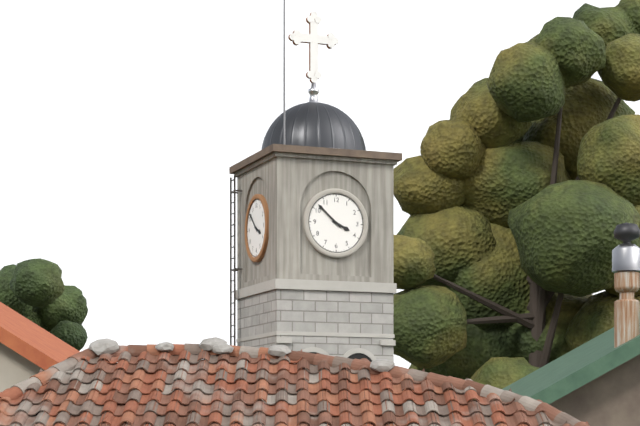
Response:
{"hour": 3, "minute": 52}
